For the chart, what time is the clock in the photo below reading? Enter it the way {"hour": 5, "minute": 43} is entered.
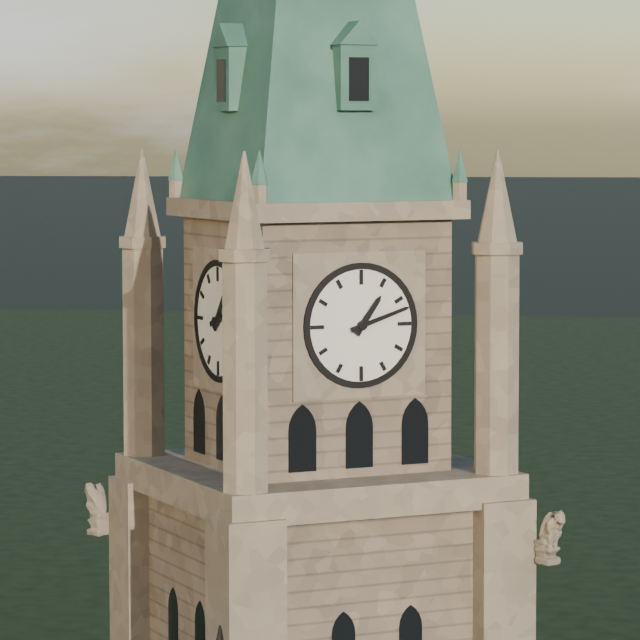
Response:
{"hour": 1, "minute": 12}
